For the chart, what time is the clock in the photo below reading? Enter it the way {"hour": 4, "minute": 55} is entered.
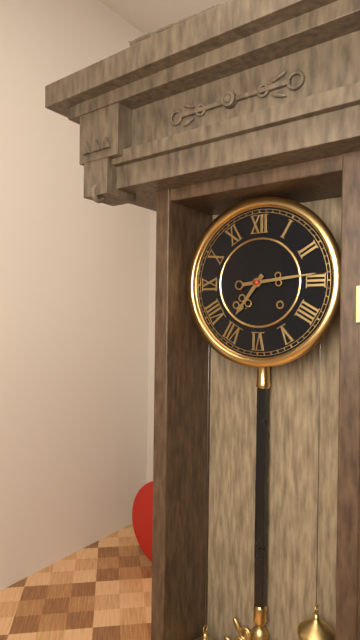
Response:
{"hour": 7, "minute": 14}
